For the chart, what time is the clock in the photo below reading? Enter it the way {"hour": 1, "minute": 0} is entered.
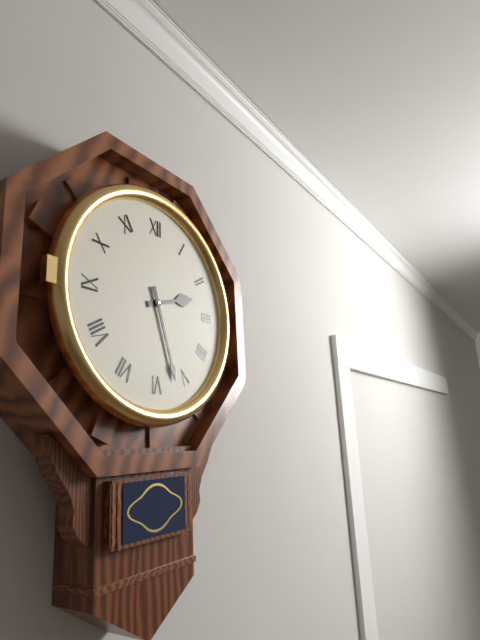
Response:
{"hour": 2, "minute": 27}
